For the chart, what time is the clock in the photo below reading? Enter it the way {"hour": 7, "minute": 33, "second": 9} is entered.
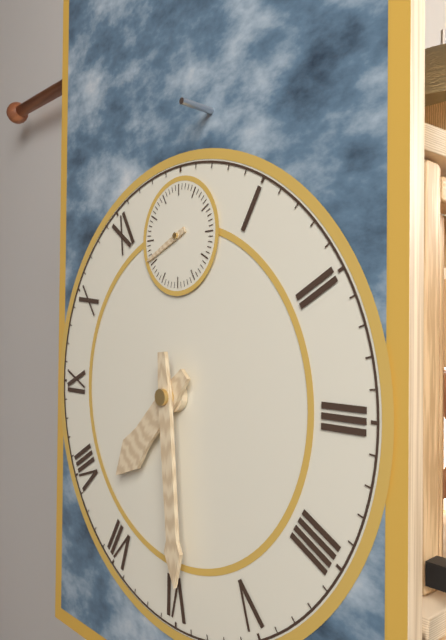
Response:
{"hour": 7, "minute": 29, "second": 41}
